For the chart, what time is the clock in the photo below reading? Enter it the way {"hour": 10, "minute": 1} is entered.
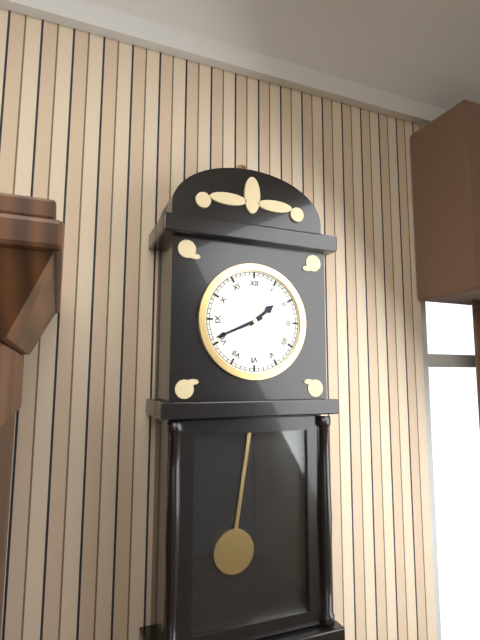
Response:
{"hour": 1, "minute": 41}
